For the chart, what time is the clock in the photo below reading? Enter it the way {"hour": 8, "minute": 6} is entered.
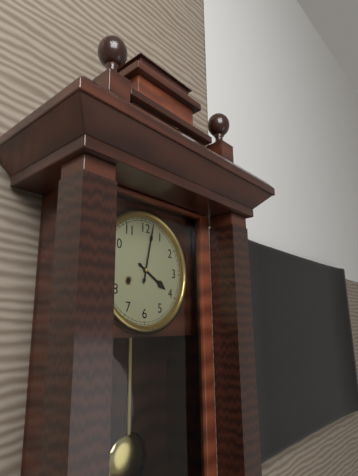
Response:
{"hour": 4, "minute": 2}
